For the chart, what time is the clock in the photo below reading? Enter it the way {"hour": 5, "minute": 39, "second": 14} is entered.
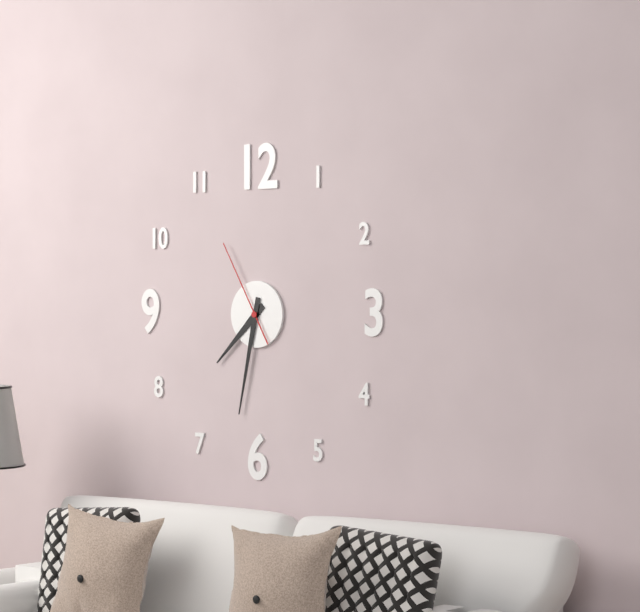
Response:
{"hour": 7, "minute": 32, "second": 55}
